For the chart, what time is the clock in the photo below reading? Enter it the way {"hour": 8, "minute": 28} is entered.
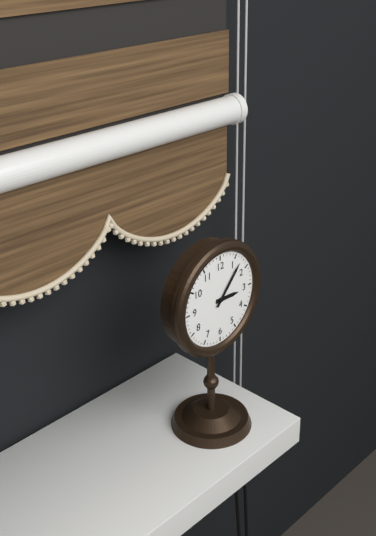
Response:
{"hour": 3, "minute": 7}
